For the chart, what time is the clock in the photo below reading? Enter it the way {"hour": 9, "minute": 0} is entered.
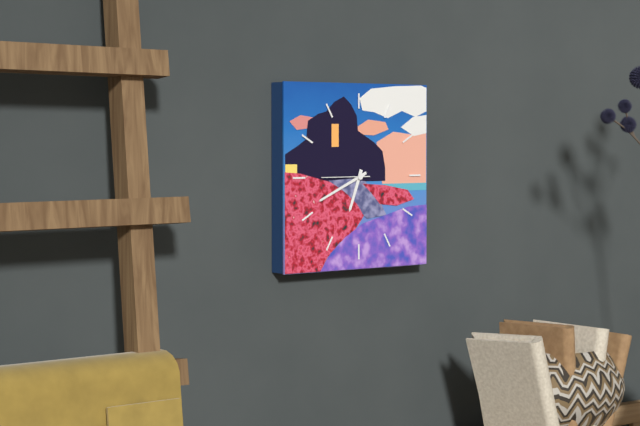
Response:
{"hour": 6, "minute": 41}
